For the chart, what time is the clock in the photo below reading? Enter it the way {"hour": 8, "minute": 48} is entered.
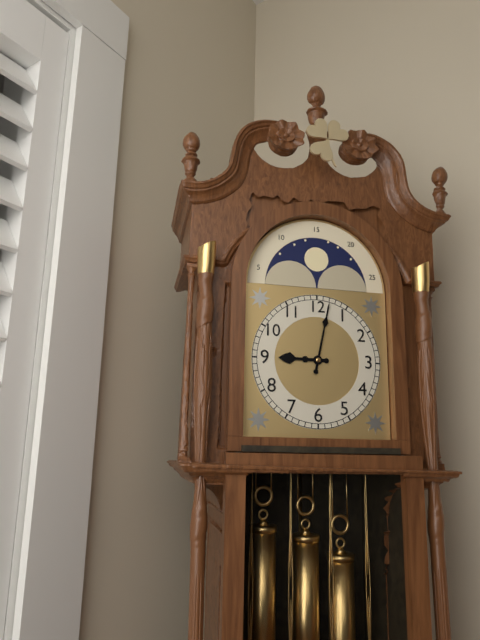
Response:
{"hour": 9, "minute": 2}
